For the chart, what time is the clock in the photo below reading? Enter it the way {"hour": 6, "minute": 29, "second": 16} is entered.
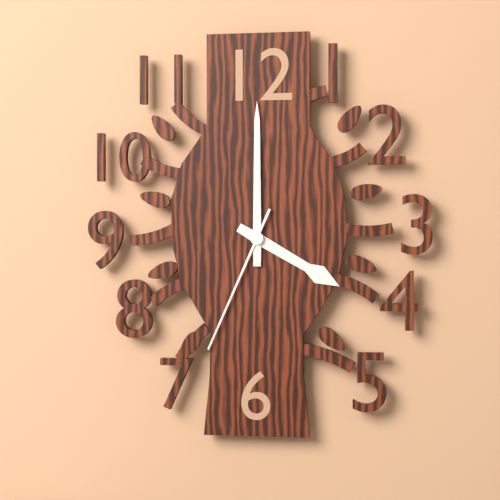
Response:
{"hour": 4, "minute": 0, "second": 34}
